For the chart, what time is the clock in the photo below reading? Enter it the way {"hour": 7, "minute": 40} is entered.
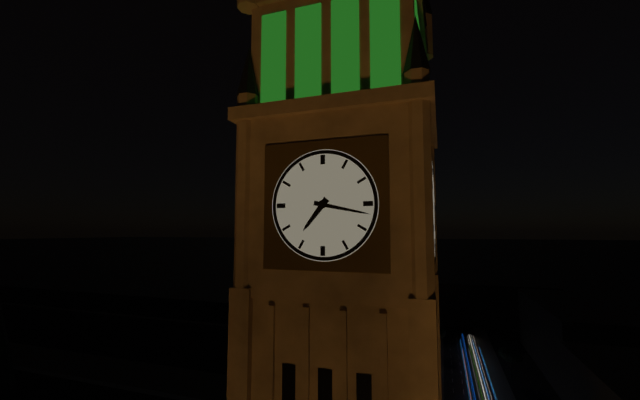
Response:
{"hour": 7, "minute": 17}
